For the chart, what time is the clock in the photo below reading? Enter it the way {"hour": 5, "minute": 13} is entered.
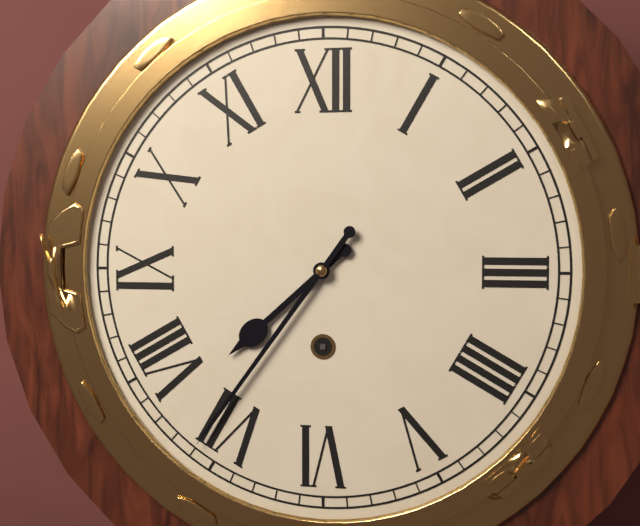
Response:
{"hour": 7, "minute": 36}
